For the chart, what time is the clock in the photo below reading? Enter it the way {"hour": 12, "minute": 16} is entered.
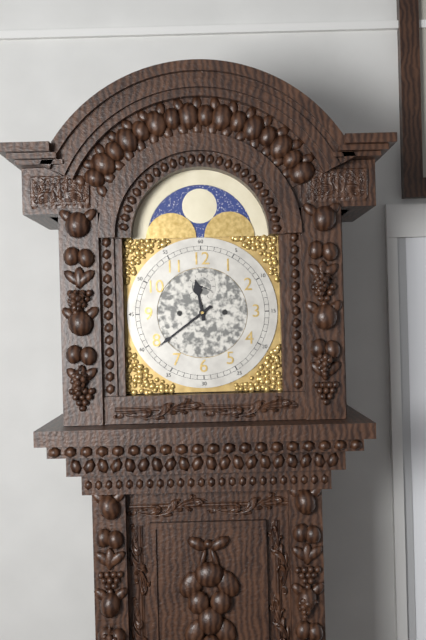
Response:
{"hour": 11, "minute": 39}
